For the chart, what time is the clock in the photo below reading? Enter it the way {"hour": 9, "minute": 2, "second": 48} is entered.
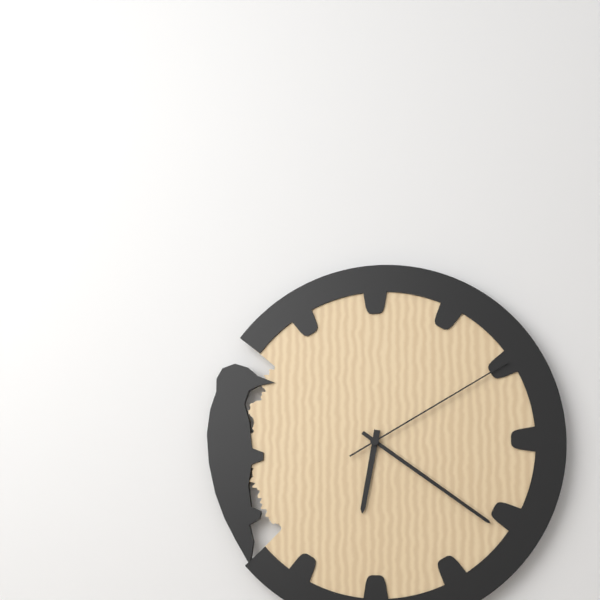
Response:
{"hour": 6, "minute": 21, "second": 10}
